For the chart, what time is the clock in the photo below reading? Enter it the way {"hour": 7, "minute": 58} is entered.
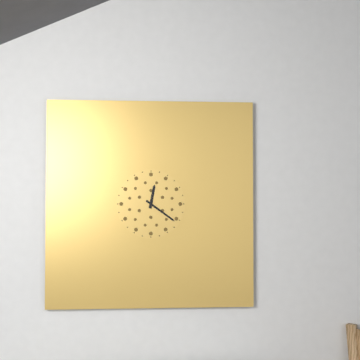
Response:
{"hour": 12, "minute": 21}
